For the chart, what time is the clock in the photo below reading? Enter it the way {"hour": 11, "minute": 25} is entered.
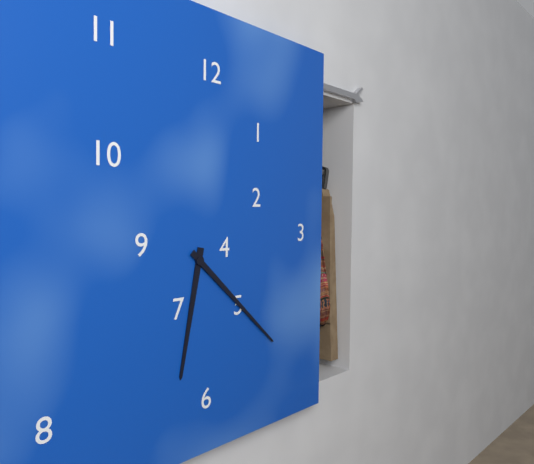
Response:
{"hour": 6, "minute": 22}
